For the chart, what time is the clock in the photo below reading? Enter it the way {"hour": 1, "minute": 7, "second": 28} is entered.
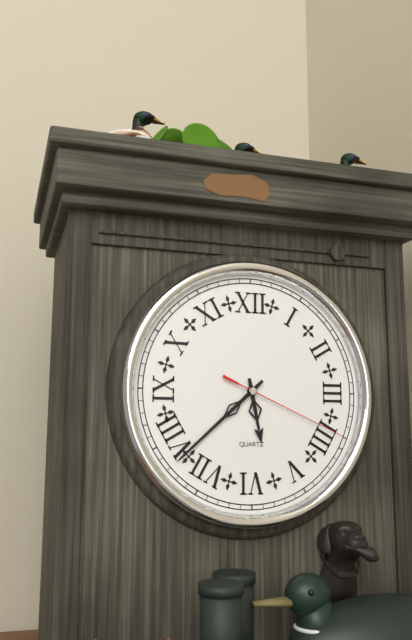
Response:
{"hour": 5, "minute": 38, "second": 19}
